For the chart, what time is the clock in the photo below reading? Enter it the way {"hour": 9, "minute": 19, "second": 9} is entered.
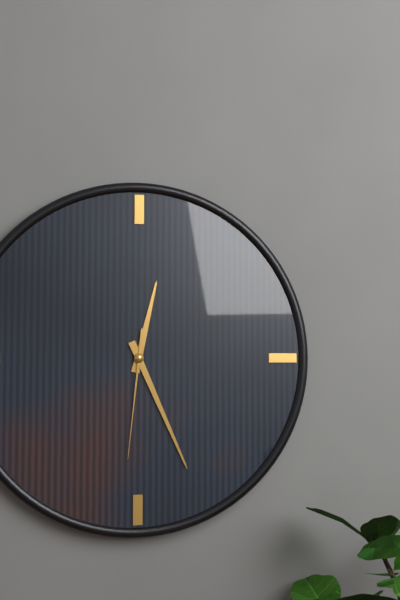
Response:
{"hour": 12, "minute": 26, "second": 31}
